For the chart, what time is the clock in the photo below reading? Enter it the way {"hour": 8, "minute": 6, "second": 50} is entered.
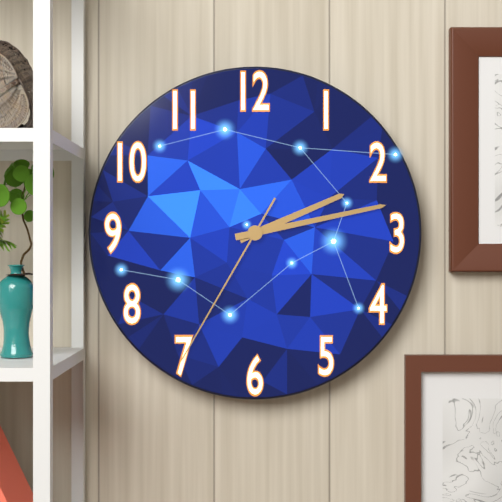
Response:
{"hour": 2, "minute": 13, "second": 35}
